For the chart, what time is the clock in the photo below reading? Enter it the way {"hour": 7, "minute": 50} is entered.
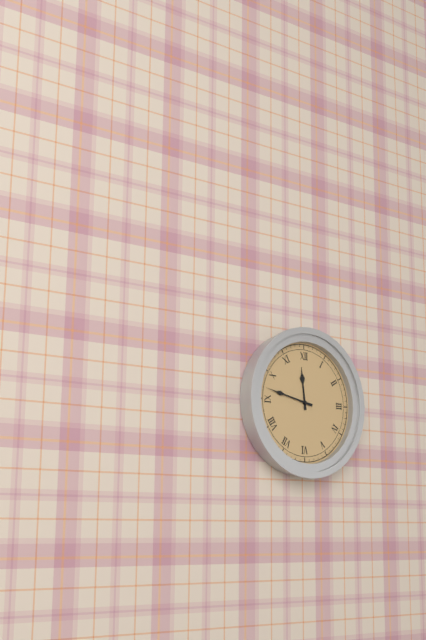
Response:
{"hour": 11, "minute": 47}
